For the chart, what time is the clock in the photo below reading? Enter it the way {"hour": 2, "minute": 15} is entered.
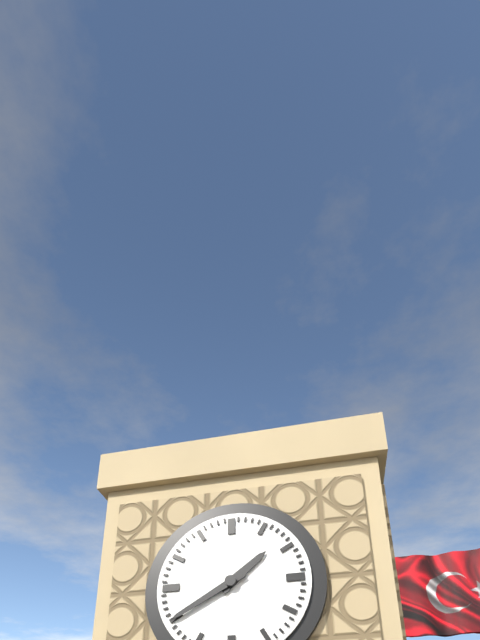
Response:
{"hour": 1, "minute": 40}
